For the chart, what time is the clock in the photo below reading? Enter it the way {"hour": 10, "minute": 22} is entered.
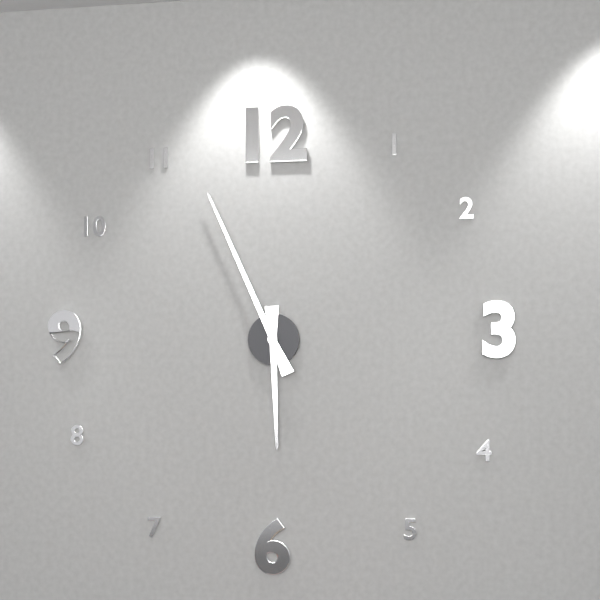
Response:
{"hour": 5, "minute": 56}
